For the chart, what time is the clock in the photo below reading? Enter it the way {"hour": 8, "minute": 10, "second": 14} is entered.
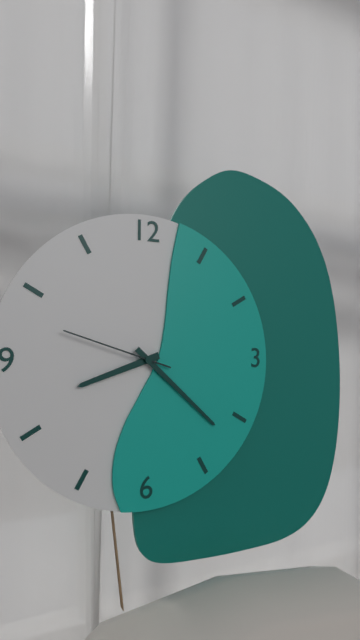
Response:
{"hour": 8, "minute": 22, "second": 48}
